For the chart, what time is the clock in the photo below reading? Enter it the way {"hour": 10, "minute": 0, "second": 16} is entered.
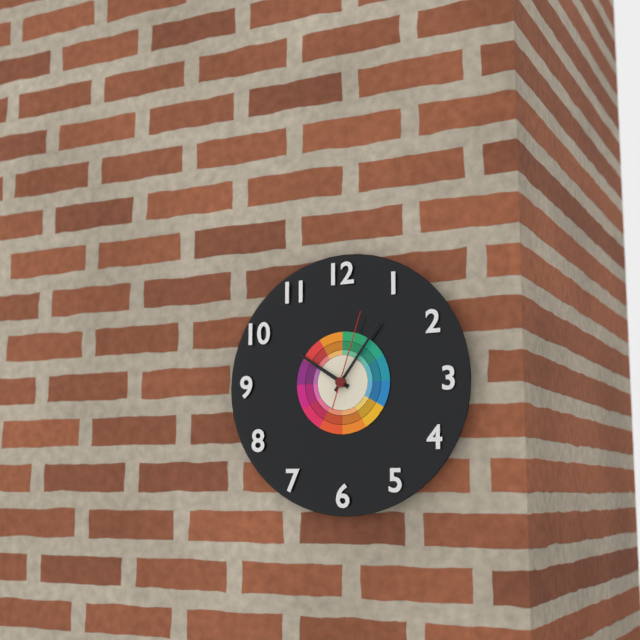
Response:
{"hour": 10, "minute": 6, "second": 3}
